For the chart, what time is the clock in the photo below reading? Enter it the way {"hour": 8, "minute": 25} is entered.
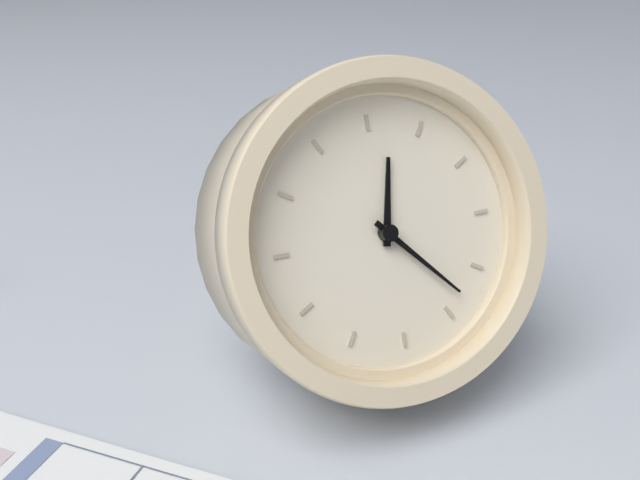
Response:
{"hour": 12, "minute": 23}
